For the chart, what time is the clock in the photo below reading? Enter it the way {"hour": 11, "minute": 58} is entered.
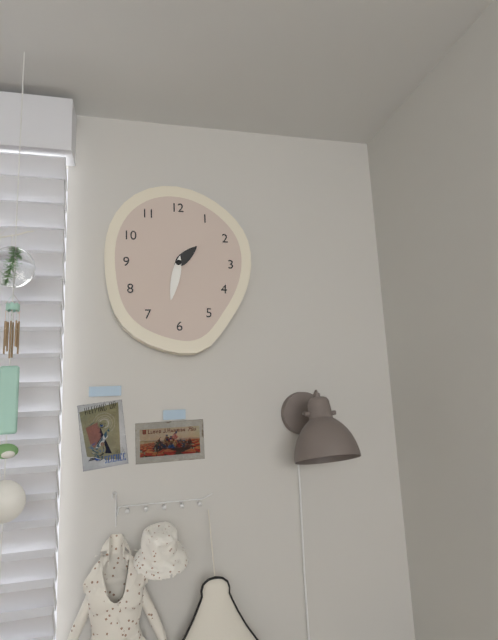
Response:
{"hour": 1, "minute": 32}
